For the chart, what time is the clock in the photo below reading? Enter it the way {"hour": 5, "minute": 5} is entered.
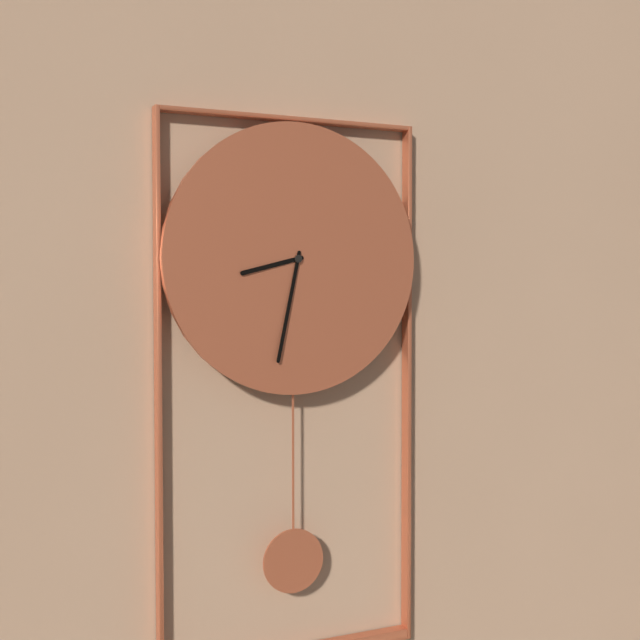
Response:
{"hour": 8, "minute": 32}
